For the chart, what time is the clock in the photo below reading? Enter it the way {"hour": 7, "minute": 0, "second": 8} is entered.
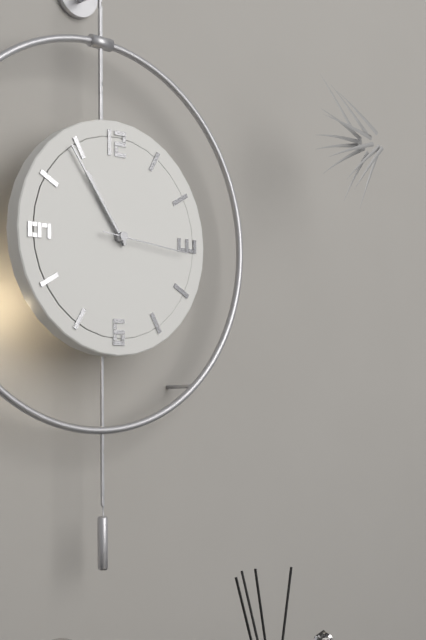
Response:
{"hour": 10, "minute": 54, "second": 16}
